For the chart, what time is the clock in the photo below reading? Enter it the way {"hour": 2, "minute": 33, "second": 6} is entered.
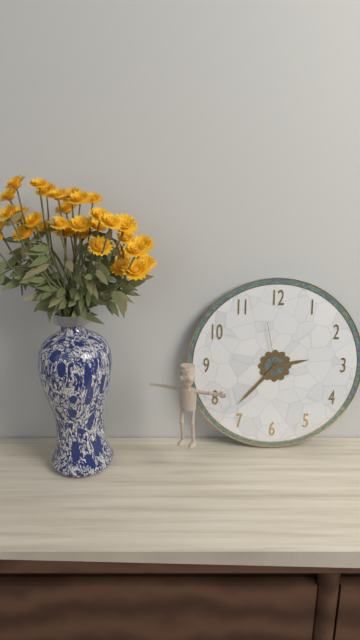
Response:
{"hour": 2, "minute": 37, "second": 58}
